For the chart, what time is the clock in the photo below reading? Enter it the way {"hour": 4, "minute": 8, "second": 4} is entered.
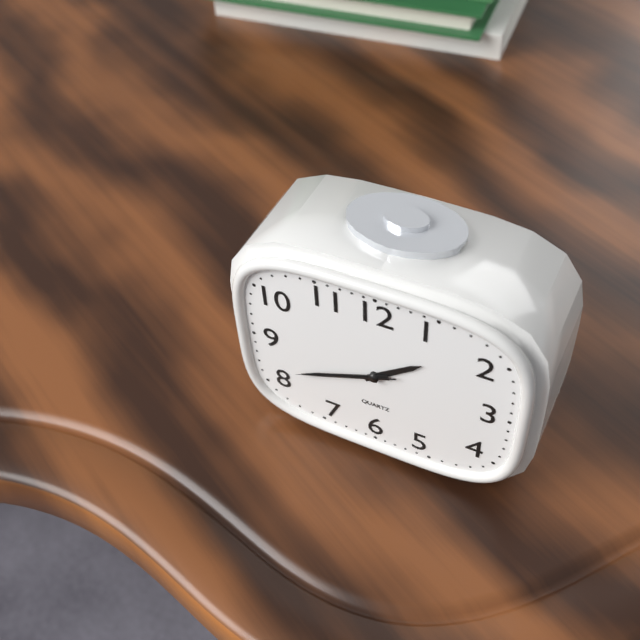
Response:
{"hour": 1, "minute": 41, "second": 41}
